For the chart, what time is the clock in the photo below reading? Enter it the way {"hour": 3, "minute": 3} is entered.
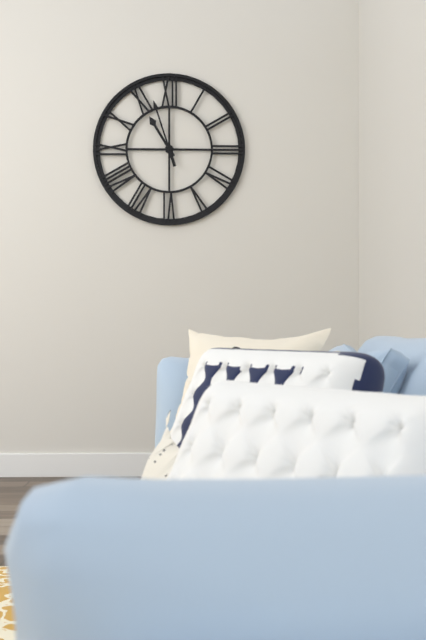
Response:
{"hour": 10, "minute": 57}
